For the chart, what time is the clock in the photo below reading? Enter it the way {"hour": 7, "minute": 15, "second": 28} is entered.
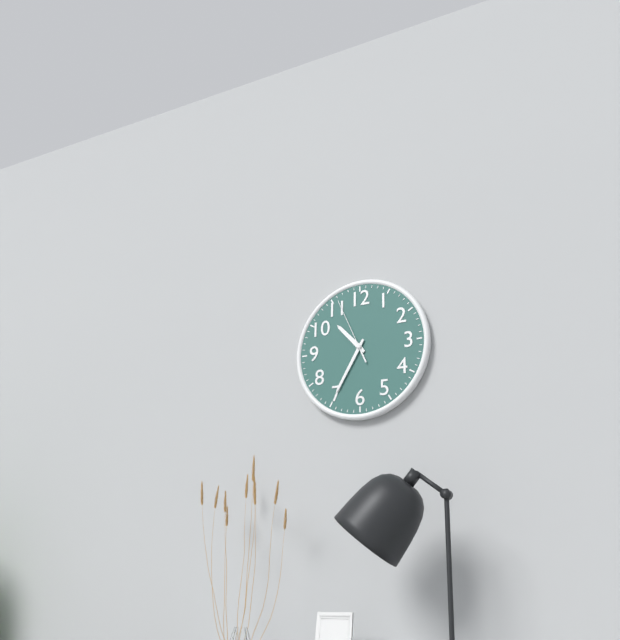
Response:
{"hour": 10, "minute": 35, "second": 56}
